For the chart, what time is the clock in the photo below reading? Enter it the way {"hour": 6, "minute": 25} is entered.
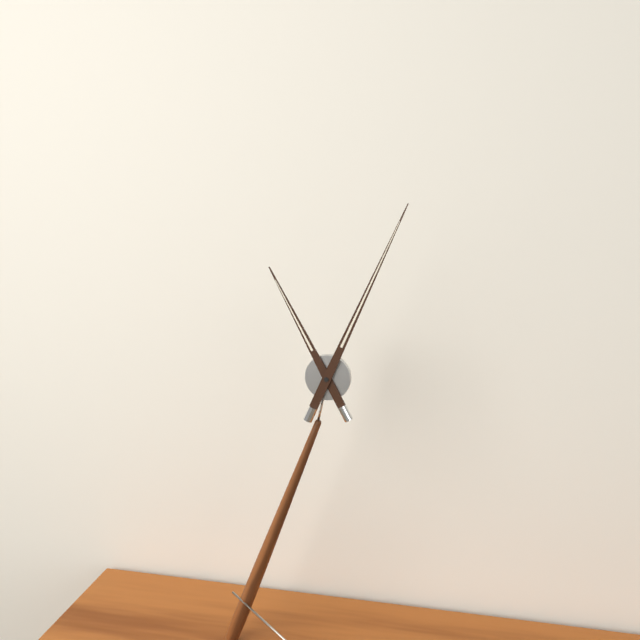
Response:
{"hour": 11, "minute": 4}
